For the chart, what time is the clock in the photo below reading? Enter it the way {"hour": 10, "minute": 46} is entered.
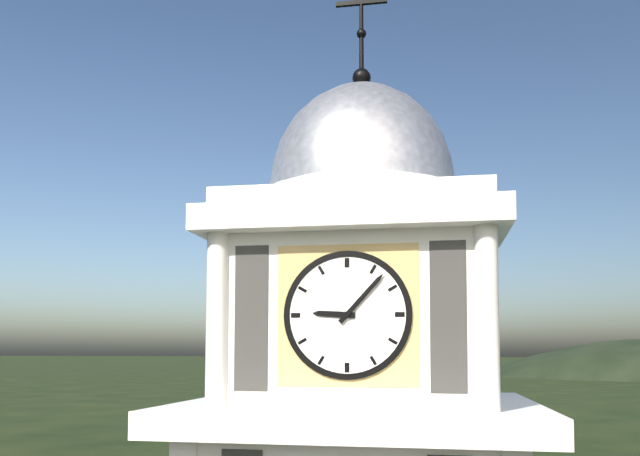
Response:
{"hour": 9, "minute": 7}
